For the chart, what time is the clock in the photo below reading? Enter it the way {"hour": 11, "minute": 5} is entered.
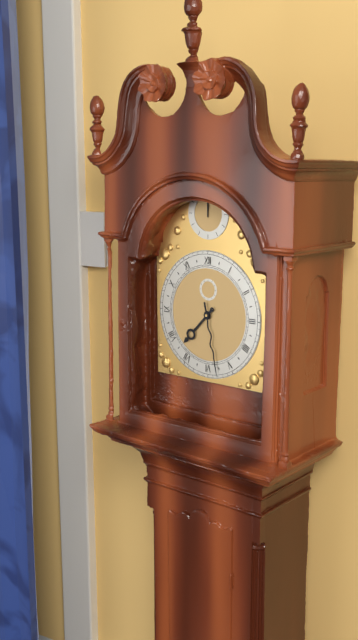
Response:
{"hour": 7, "minute": 28}
